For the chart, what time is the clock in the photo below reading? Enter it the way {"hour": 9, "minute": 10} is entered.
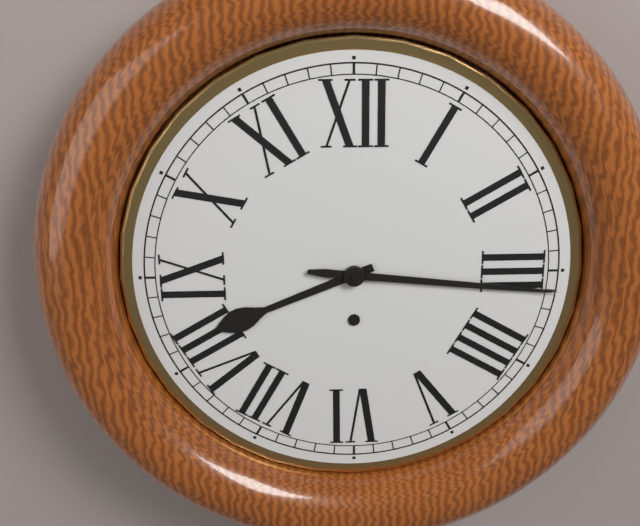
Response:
{"hour": 8, "minute": 16}
